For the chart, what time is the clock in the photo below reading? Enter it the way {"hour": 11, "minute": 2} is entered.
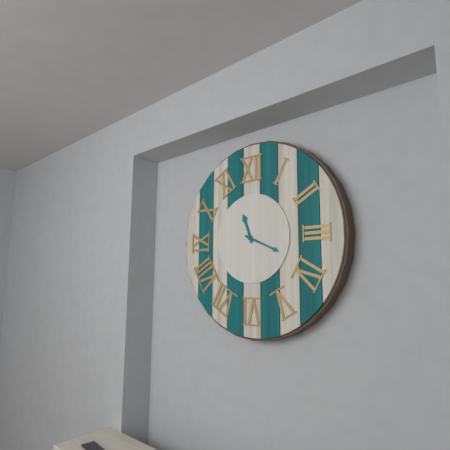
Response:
{"hour": 11, "minute": 19}
